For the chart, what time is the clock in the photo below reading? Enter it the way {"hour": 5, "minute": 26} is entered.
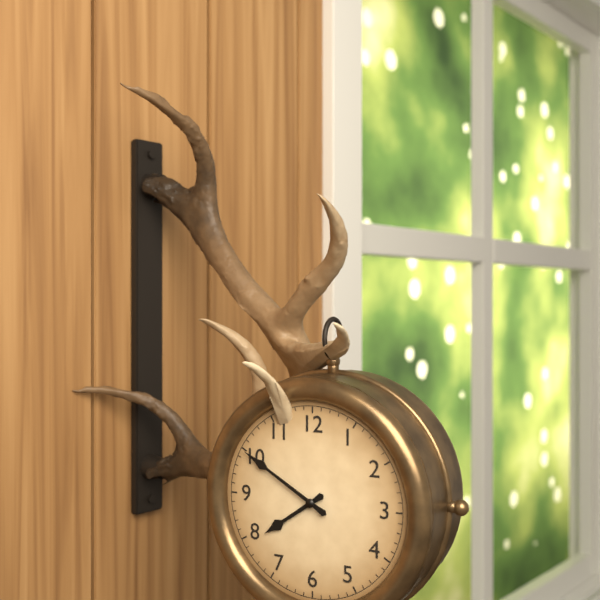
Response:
{"hour": 7, "minute": 50}
